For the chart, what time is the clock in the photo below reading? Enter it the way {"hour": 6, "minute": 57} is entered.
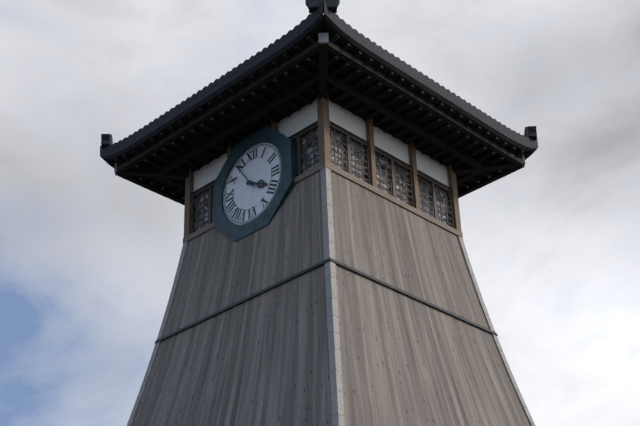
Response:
{"hour": 3, "minute": 54}
